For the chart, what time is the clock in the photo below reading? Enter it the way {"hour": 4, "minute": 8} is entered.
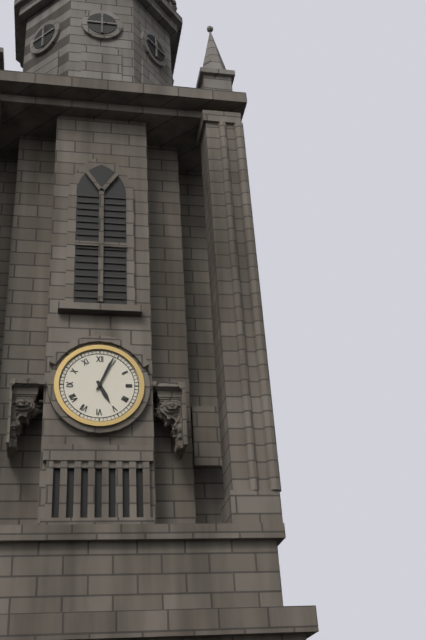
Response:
{"hour": 5, "minute": 4}
